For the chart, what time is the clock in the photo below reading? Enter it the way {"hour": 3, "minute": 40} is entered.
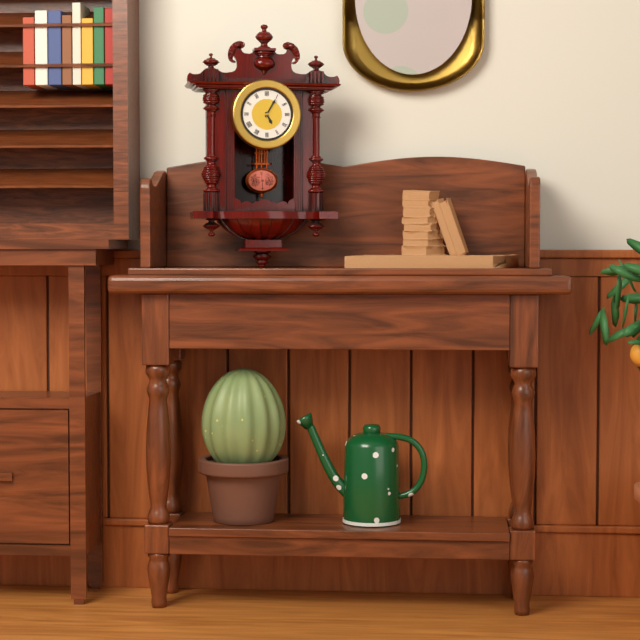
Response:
{"hour": 5, "minute": 5}
